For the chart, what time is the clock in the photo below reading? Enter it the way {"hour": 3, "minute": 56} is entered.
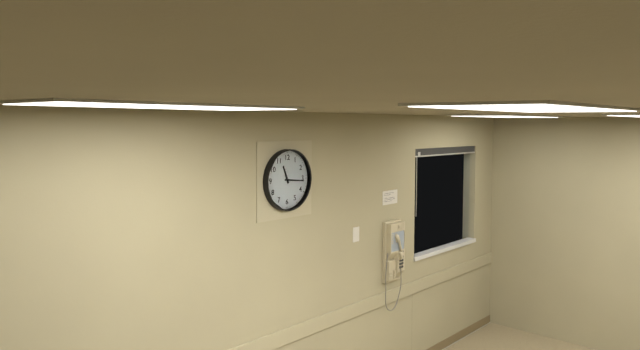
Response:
{"hour": 11, "minute": 16}
